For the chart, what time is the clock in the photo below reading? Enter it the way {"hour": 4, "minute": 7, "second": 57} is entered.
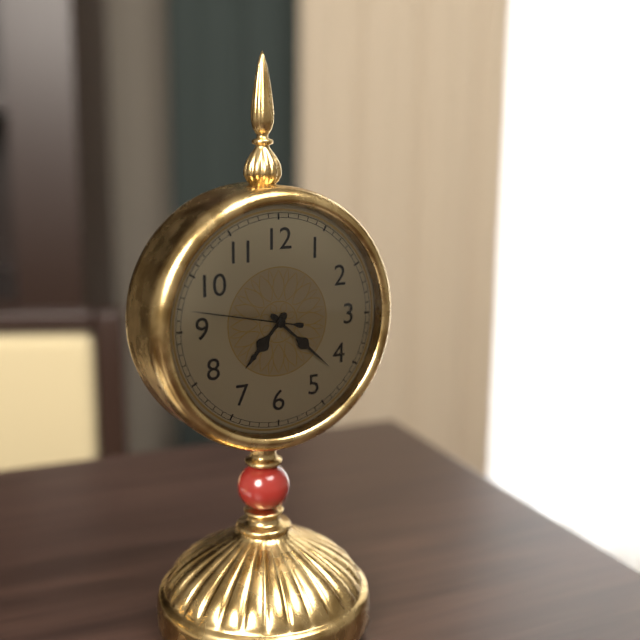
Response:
{"hour": 7, "minute": 22, "second": 47}
